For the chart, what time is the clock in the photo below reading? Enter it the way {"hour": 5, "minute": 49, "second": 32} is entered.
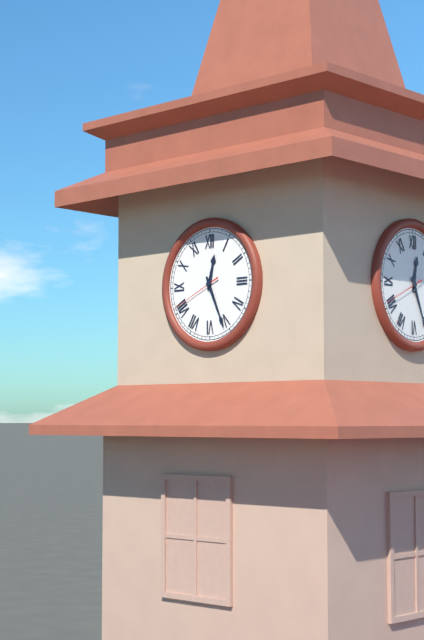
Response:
{"hour": 12, "minute": 26, "second": 41}
